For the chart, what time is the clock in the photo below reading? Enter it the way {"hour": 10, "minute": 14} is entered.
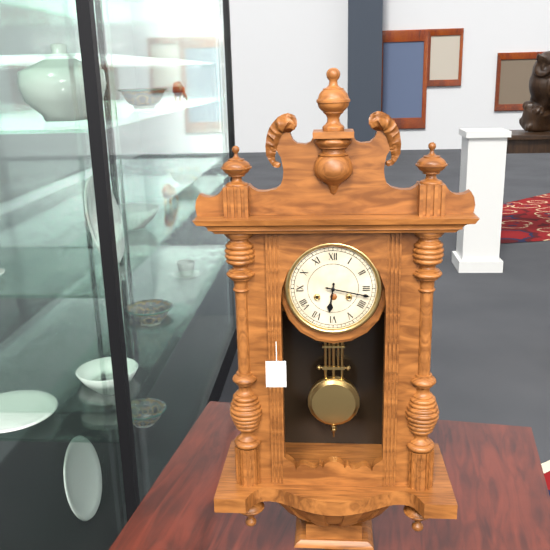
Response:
{"hour": 6, "minute": 17}
